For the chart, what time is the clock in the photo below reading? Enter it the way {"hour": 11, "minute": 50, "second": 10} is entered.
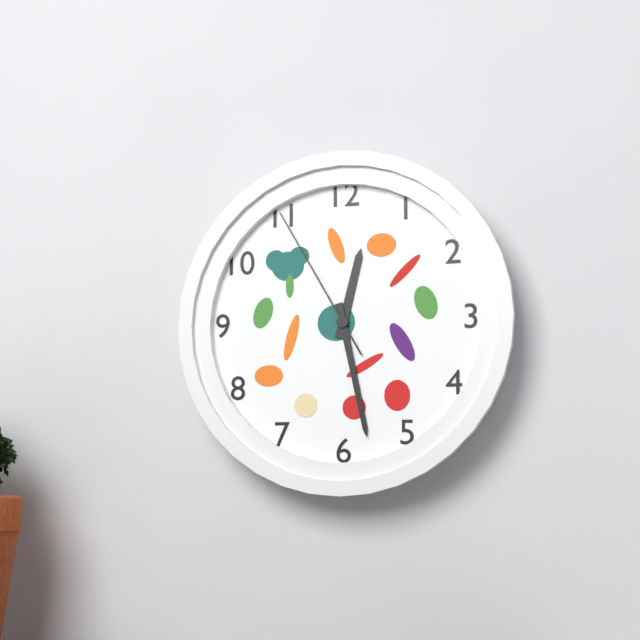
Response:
{"hour": 12, "minute": 28, "second": 55}
